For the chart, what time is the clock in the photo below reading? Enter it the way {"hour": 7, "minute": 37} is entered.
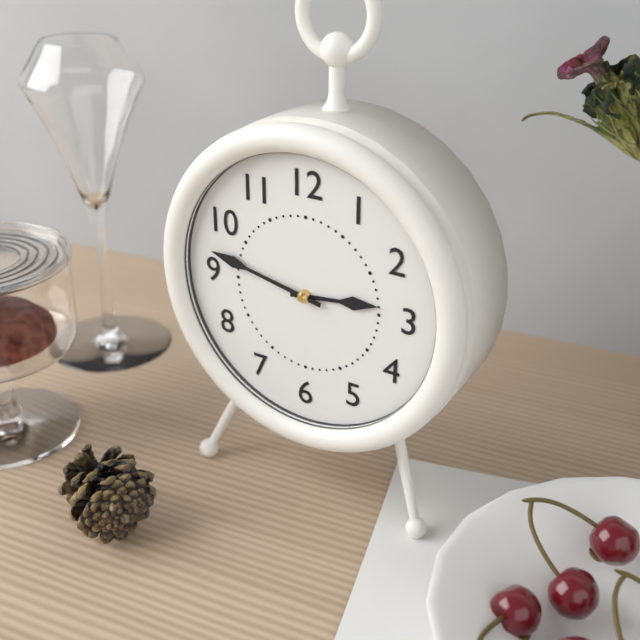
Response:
{"hour": 2, "minute": 47}
